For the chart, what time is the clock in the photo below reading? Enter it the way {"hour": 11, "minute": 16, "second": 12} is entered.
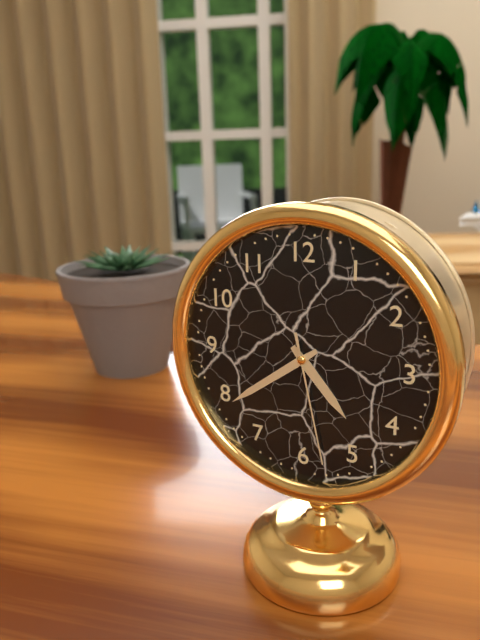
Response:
{"hour": 4, "minute": 39, "second": 28}
